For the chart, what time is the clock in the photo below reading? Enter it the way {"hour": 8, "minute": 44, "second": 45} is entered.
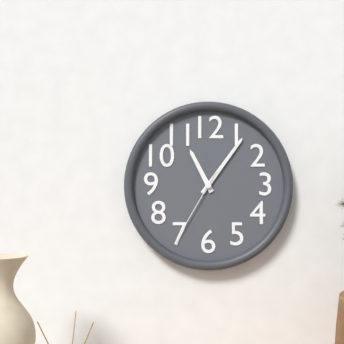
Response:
{"hour": 11, "minute": 6, "second": 35}
